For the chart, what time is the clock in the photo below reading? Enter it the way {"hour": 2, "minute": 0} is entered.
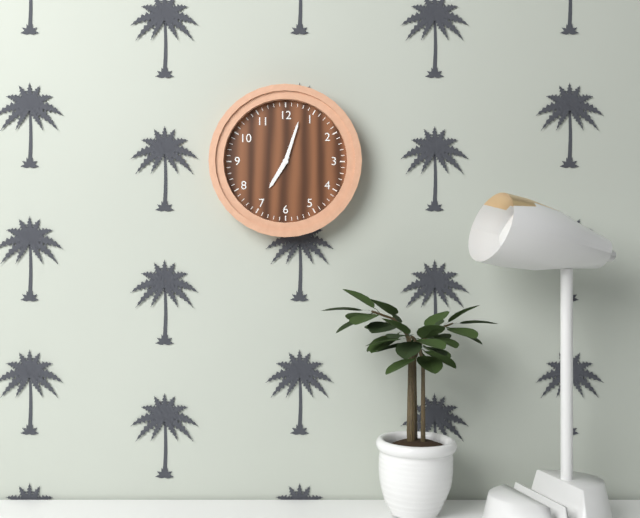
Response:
{"hour": 7, "minute": 3}
